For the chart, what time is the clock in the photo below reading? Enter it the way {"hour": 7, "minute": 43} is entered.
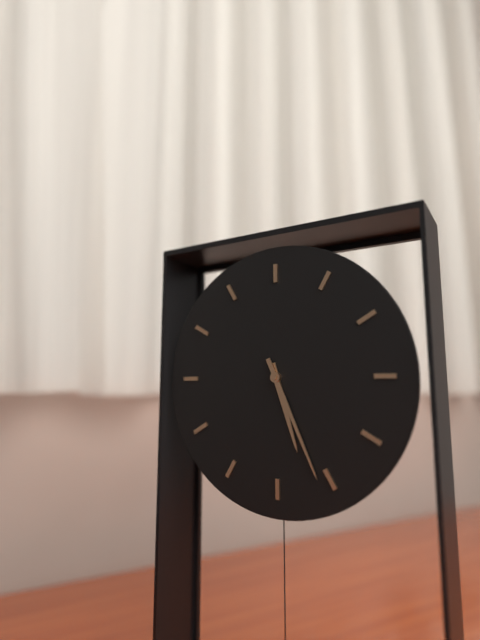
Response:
{"hour": 5, "minute": 26}
